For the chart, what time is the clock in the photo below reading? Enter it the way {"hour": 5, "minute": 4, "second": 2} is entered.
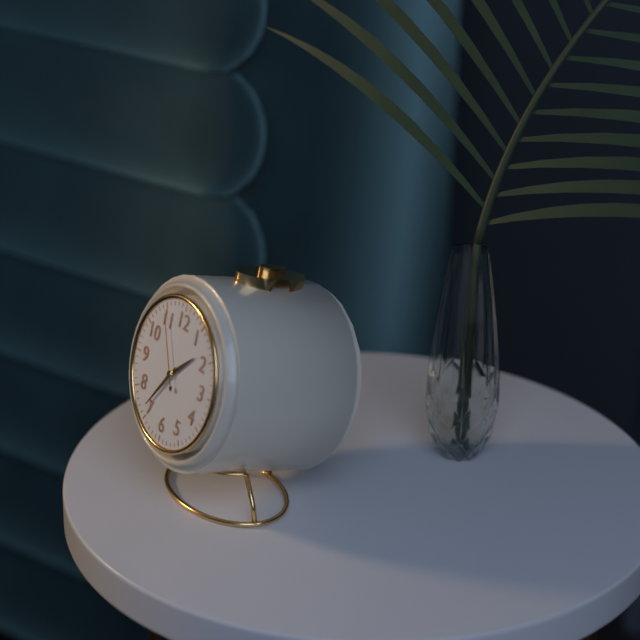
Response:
{"hour": 1, "minute": 36, "second": 55}
